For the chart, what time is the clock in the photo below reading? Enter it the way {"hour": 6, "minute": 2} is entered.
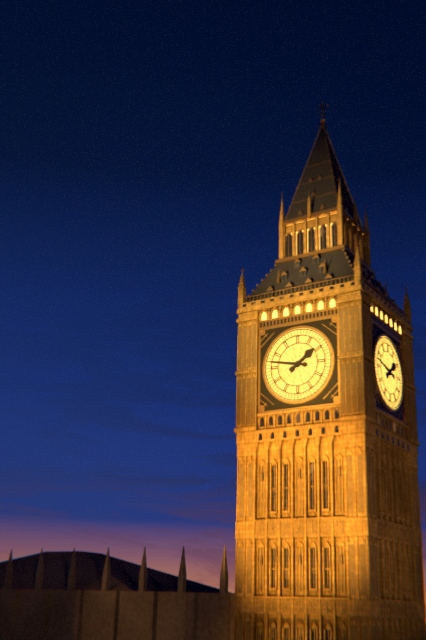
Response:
{"hour": 1, "minute": 47}
